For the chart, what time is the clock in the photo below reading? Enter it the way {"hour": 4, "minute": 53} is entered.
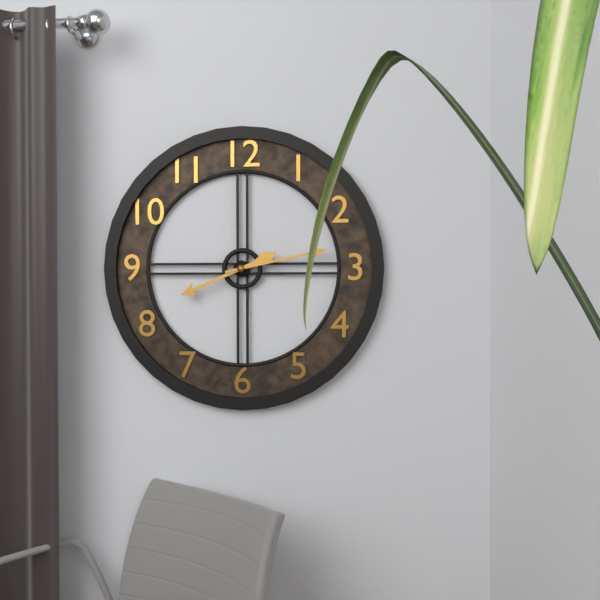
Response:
{"hour": 8, "minute": 13}
